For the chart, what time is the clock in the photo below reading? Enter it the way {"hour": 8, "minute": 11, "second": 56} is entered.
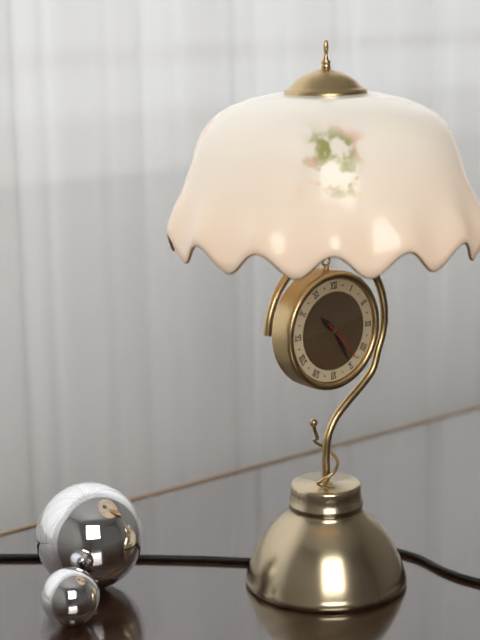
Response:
{"hour": 10, "minute": 25, "second": 23}
